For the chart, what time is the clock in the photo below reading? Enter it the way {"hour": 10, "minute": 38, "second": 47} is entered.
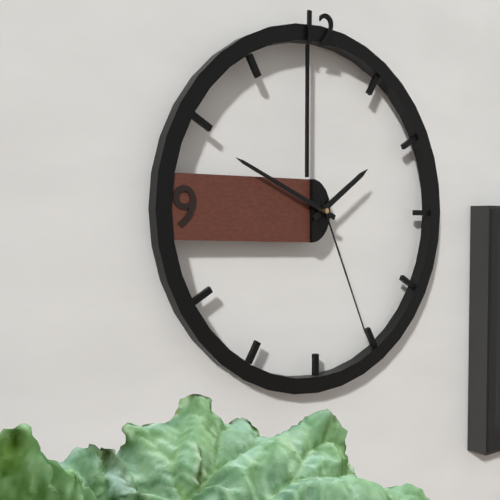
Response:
{"hour": 1, "minute": 49, "second": 26}
